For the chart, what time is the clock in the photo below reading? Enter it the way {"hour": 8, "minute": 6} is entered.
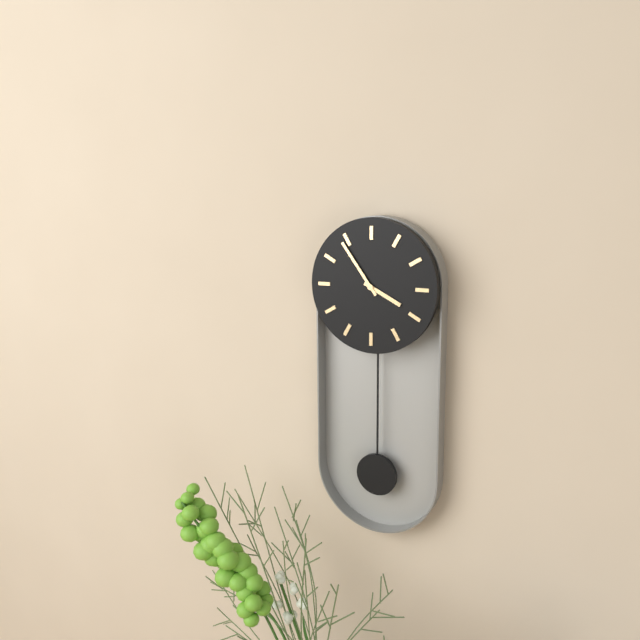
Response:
{"hour": 3, "minute": 54}
